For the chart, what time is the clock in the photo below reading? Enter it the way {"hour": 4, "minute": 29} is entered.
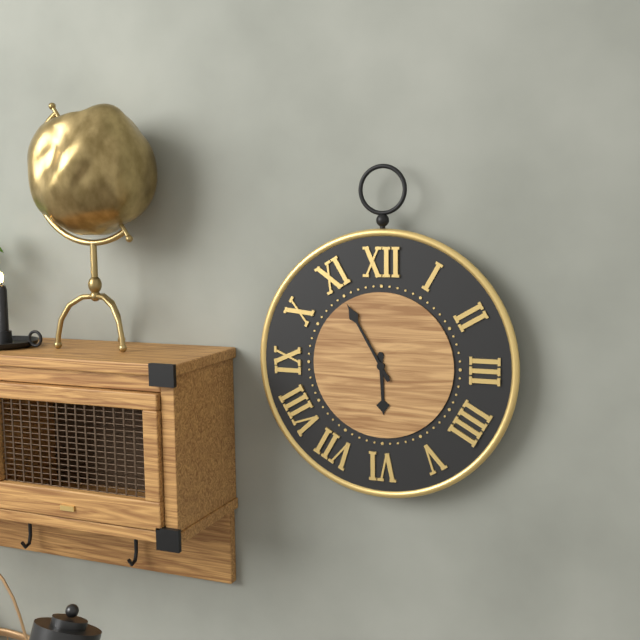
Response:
{"hour": 5, "minute": 55}
